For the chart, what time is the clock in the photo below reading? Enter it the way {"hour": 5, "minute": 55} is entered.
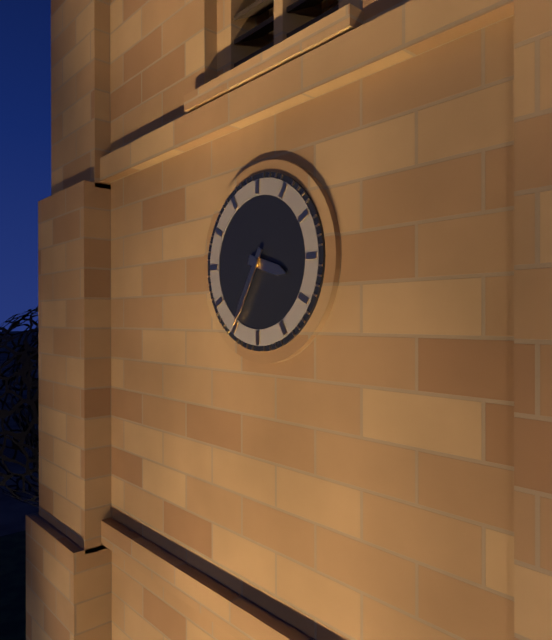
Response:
{"hour": 3, "minute": 35}
